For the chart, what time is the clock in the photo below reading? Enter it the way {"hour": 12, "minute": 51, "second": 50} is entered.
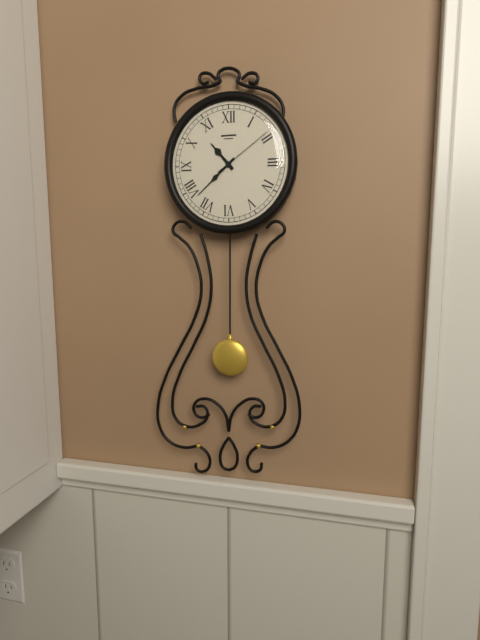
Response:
{"hour": 10, "minute": 38, "second": 9}
